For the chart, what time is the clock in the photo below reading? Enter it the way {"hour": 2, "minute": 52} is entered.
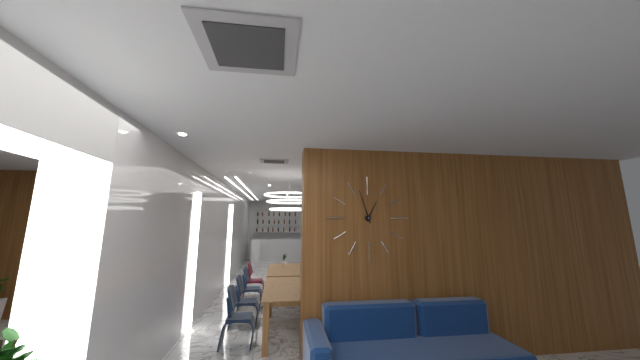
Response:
{"hour": 12, "minute": 57}
